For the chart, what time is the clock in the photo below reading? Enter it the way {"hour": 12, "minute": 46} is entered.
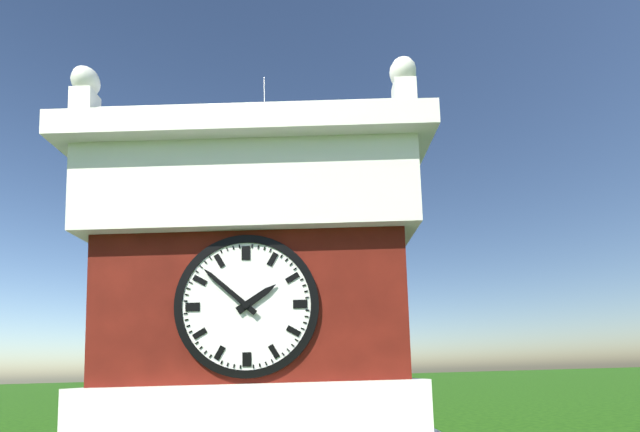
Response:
{"hour": 1, "minute": 52}
